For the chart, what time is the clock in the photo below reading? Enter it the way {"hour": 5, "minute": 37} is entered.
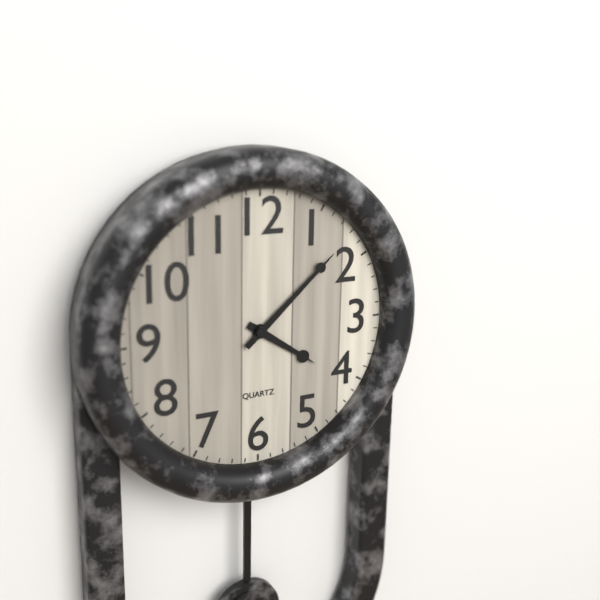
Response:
{"hour": 4, "minute": 8}
